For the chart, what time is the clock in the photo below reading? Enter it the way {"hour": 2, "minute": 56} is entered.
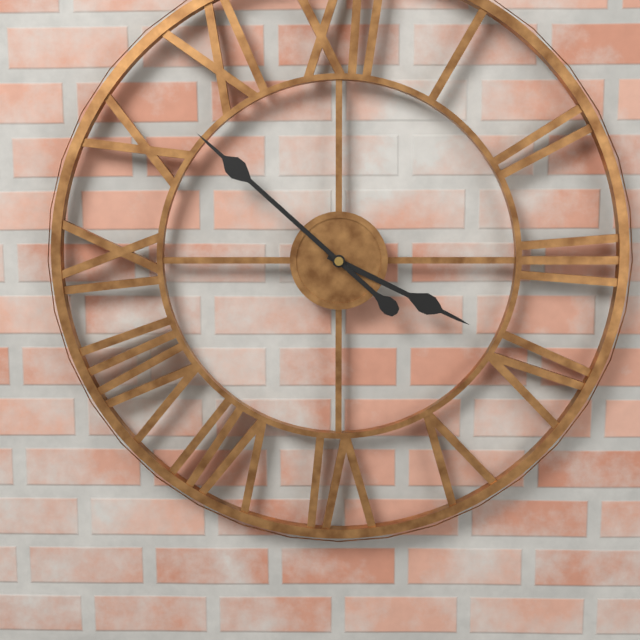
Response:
{"hour": 3, "minute": 52}
